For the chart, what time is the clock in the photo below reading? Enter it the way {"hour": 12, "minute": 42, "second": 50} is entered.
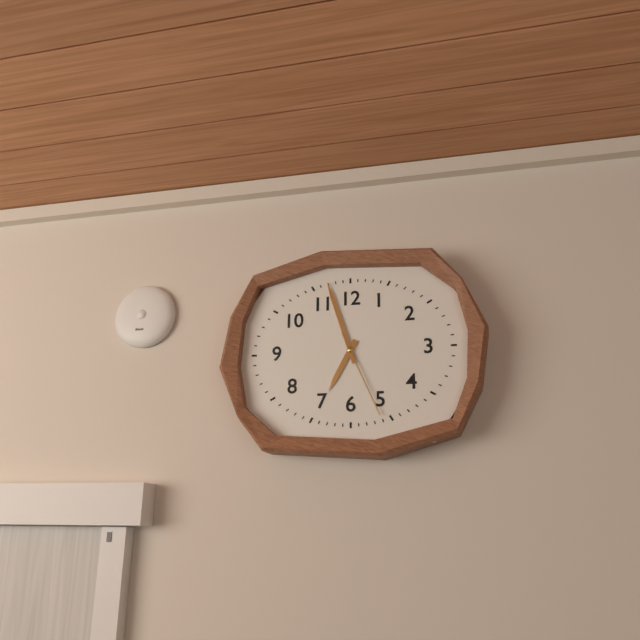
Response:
{"hour": 6, "minute": 57, "second": 26}
